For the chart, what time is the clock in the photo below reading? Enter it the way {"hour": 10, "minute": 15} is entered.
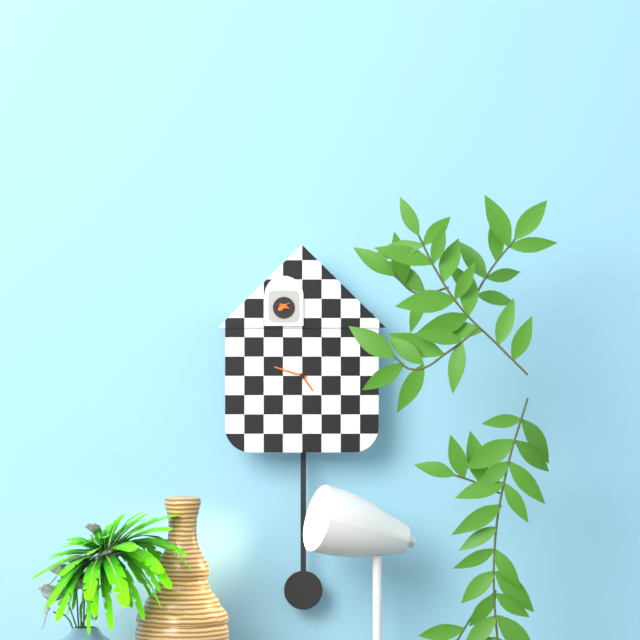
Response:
{"hour": 4, "minute": 48}
